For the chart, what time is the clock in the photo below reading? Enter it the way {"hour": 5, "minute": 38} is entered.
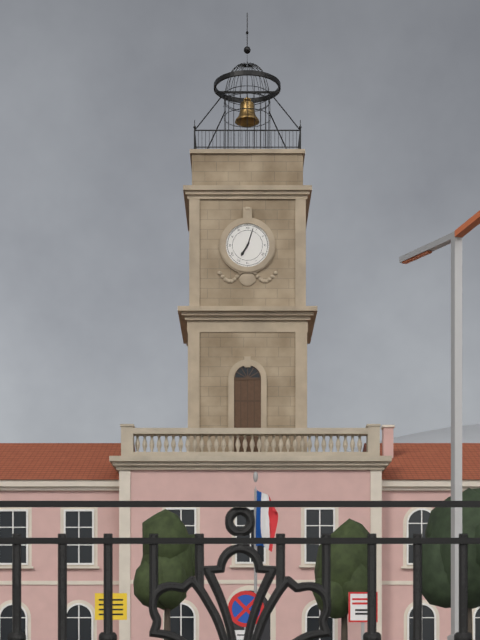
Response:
{"hour": 7, "minute": 3}
